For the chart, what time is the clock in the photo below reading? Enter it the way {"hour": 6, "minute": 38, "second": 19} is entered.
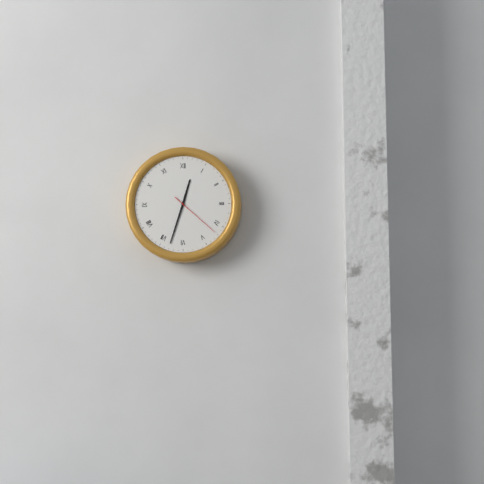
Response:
{"hour": 12, "minute": 33, "second": 22}
